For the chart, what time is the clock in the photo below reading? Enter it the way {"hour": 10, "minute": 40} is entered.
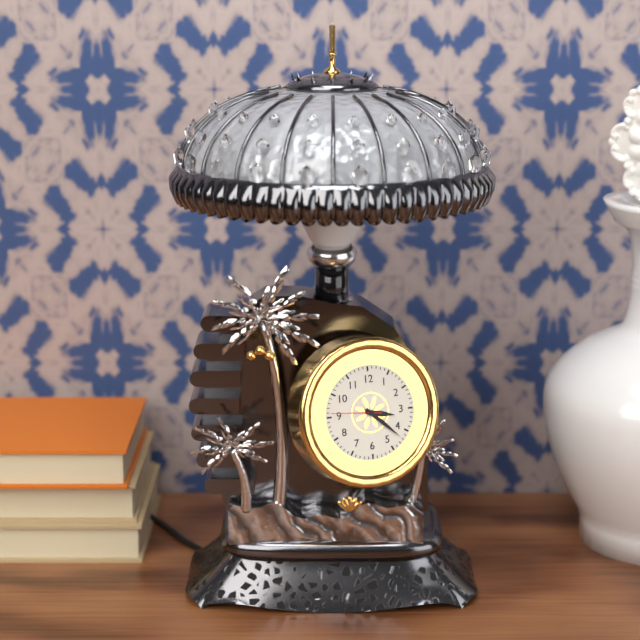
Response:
{"hour": 3, "minute": 22}
